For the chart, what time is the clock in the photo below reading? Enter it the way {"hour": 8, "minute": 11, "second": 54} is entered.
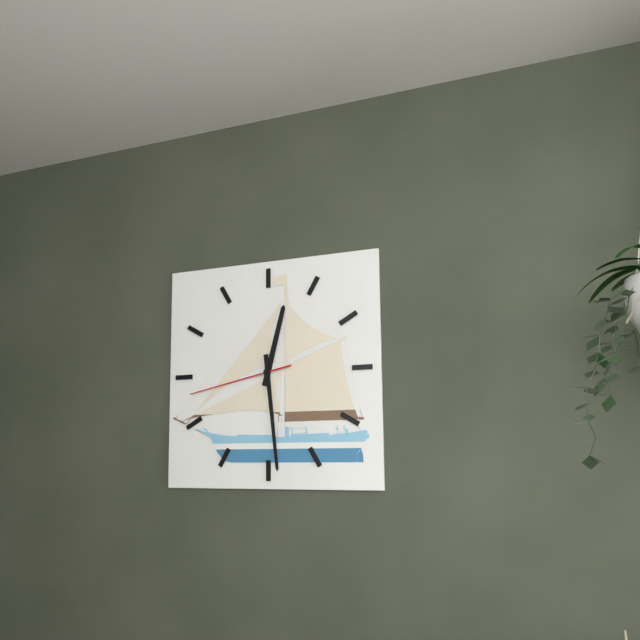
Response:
{"hour": 12, "minute": 29, "second": 43}
